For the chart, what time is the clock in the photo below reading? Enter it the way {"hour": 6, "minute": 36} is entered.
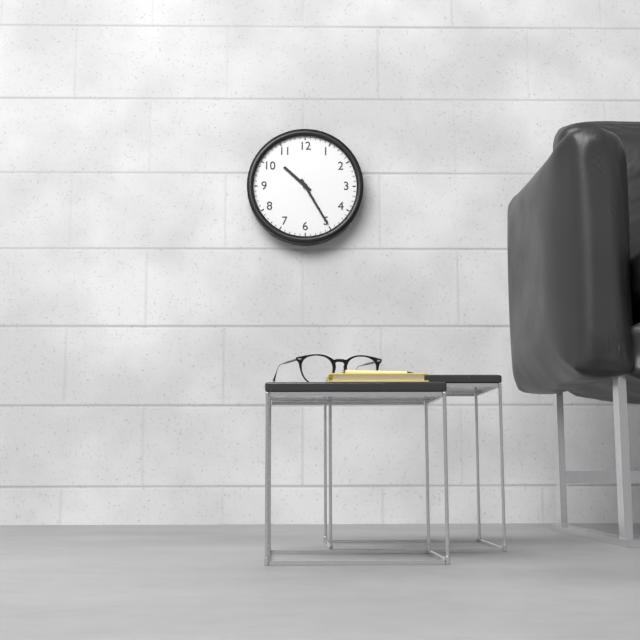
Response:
{"hour": 10, "minute": 25}
